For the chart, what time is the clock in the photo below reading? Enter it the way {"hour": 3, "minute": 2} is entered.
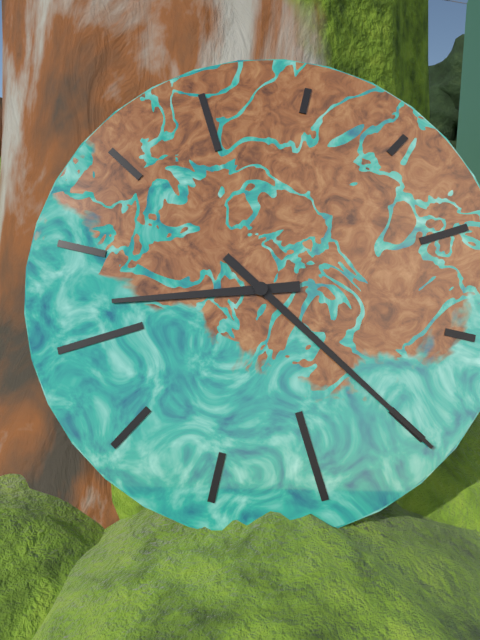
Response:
{"hour": 9, "minute": 25}
